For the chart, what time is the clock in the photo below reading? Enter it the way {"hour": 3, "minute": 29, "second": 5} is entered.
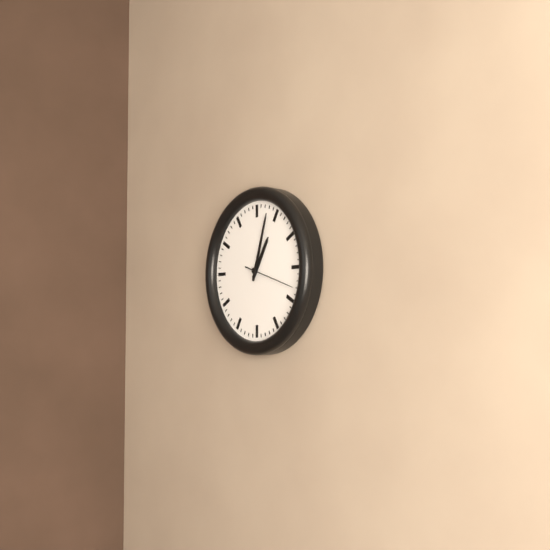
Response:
{"hour": 1, "minute": 3, "second": 18}
